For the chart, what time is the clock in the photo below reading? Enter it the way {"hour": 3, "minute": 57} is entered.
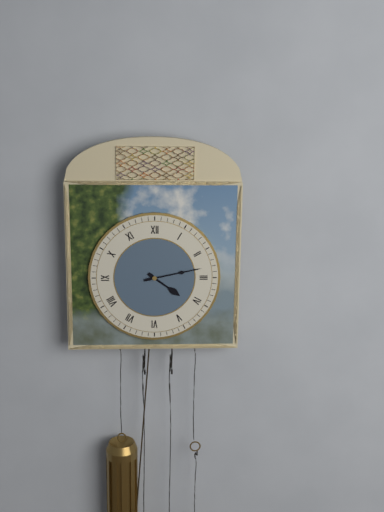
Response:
{"hour": 4, "minute": 13}
